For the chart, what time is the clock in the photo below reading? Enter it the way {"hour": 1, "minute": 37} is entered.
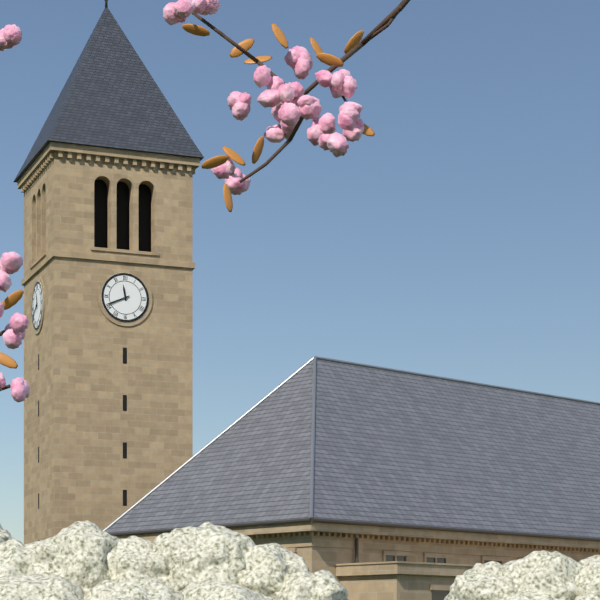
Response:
{"hour": 11, "minute": 41}
